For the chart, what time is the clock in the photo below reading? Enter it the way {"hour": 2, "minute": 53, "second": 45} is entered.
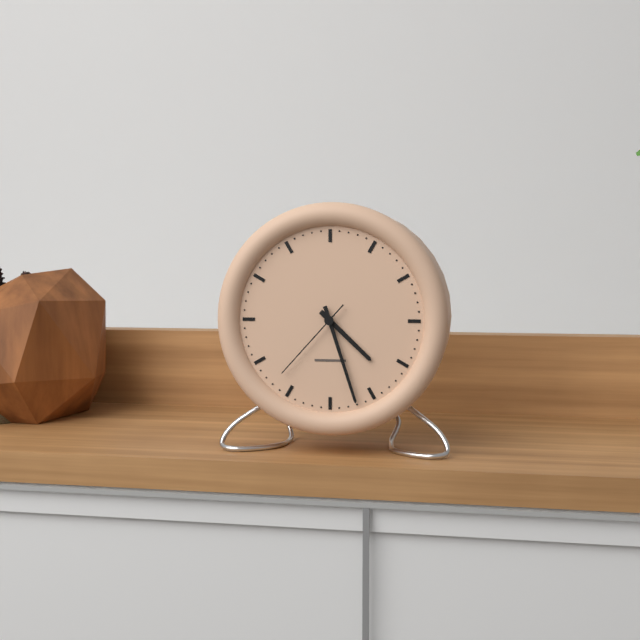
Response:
{"hour": 4, "minute": 27, "second": 37}
